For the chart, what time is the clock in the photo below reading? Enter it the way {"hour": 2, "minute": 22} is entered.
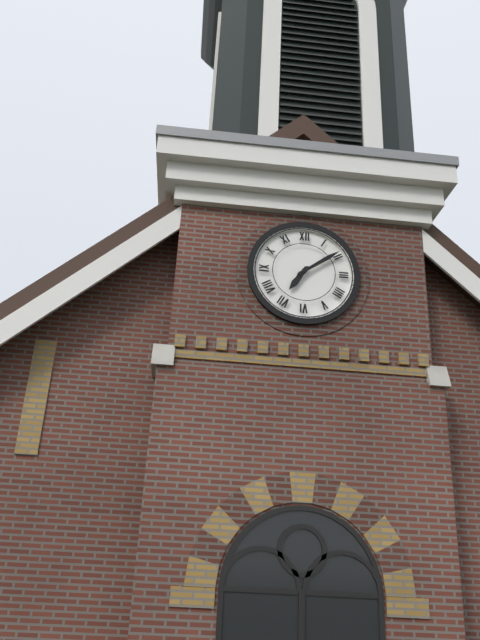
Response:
{"hour": 7, "minute": 9}
